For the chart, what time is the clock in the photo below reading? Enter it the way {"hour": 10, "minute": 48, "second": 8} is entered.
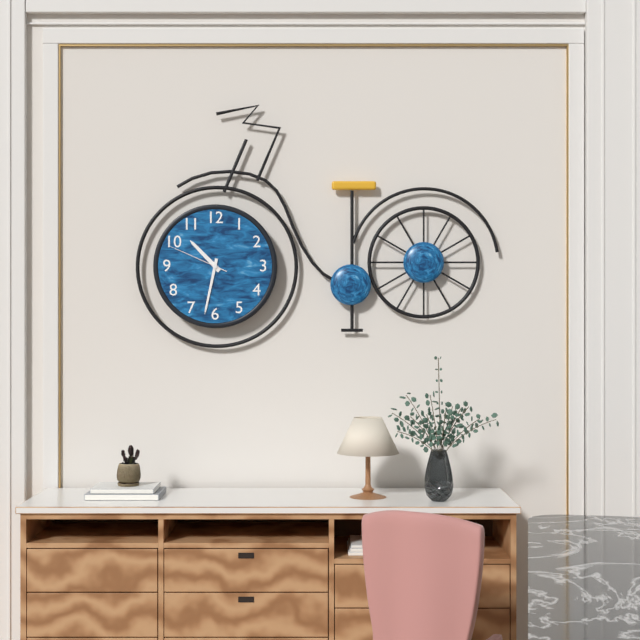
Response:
{"hour": 10, "minute": 32, "second": 49}
